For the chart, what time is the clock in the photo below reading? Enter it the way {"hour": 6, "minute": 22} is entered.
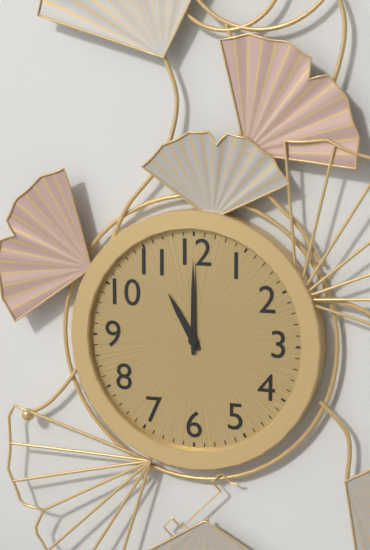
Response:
{"hour": 11, "minute": 0}
